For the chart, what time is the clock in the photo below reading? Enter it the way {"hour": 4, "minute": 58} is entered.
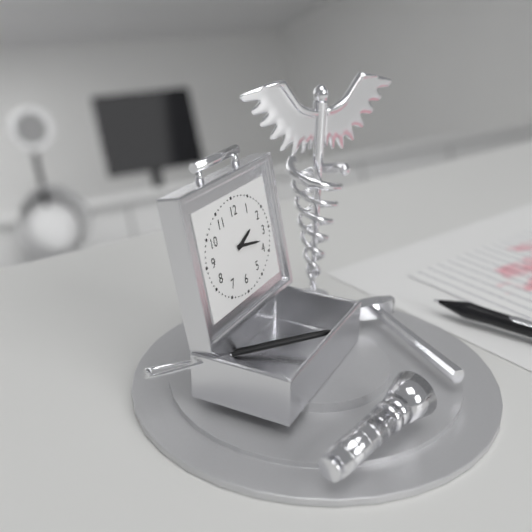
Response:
{"hour": 2, "minute": 17}
